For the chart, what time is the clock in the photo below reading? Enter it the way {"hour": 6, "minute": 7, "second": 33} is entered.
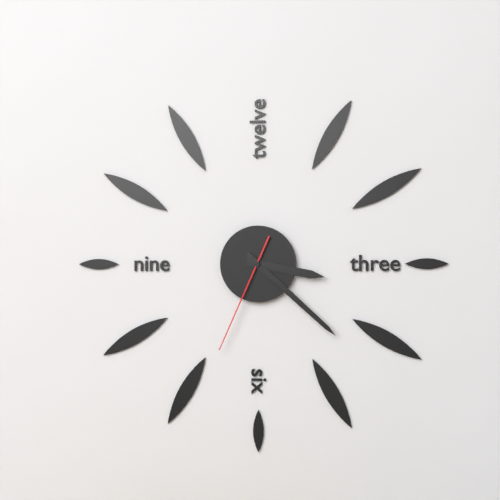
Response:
{"hour": 3, "minute": 22, "second": 34}
